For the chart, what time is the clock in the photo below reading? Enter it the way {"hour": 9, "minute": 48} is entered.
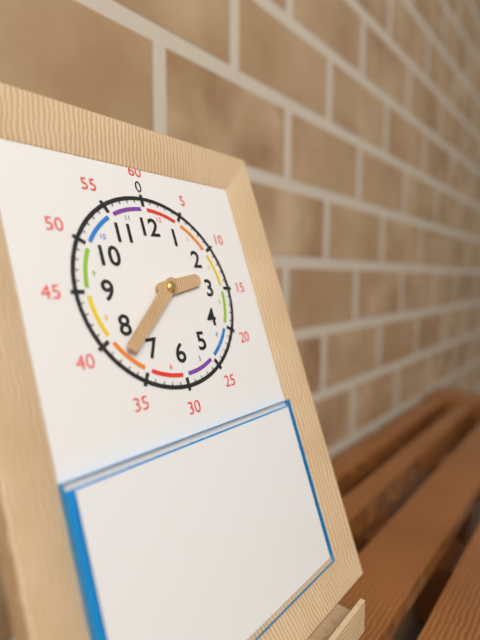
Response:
{"hour": 2, "minute": 38}
